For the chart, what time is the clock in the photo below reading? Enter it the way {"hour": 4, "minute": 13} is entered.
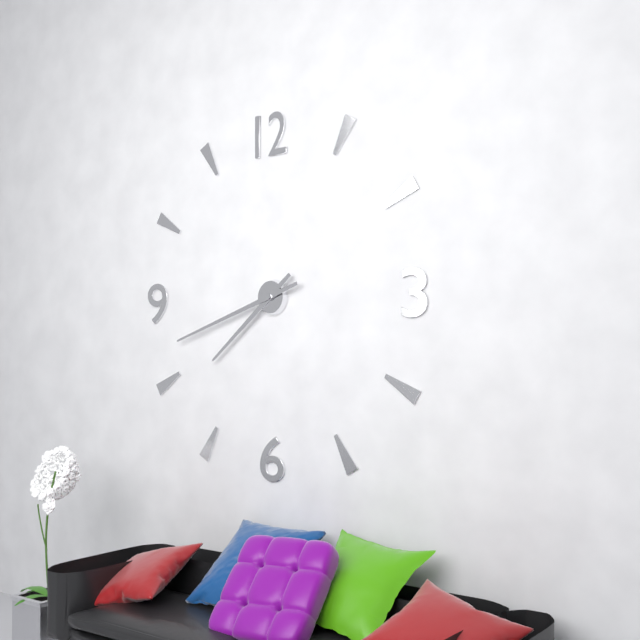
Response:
{"hour": 7, "minute": 42}
